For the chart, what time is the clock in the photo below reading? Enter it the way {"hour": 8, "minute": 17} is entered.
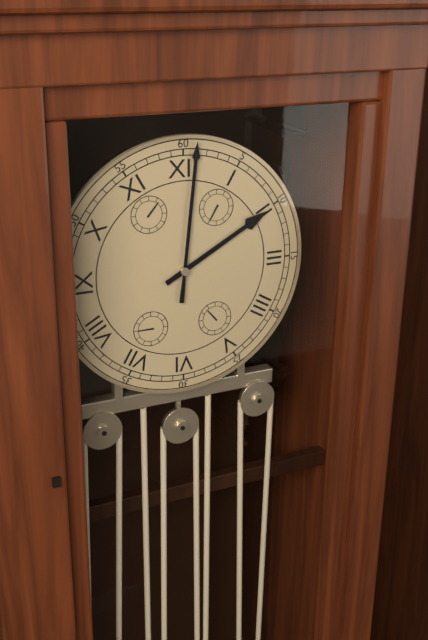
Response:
{"hour": 2, "minute": 1}
